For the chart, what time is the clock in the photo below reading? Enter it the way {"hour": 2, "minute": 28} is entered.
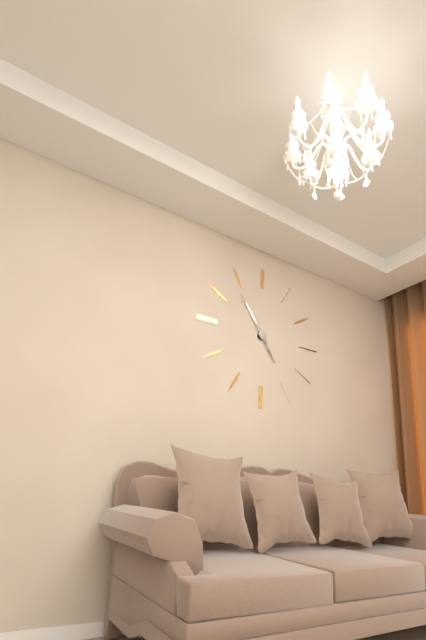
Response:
{"hour": 4, "minute": 54}
